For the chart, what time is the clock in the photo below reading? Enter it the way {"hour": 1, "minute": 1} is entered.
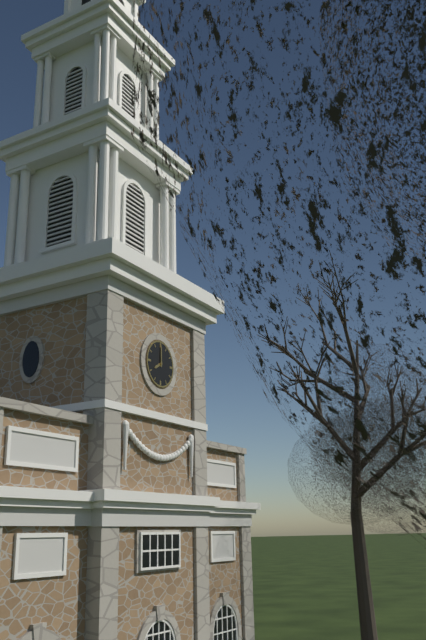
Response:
{"hour": 8, "minute": 0}
